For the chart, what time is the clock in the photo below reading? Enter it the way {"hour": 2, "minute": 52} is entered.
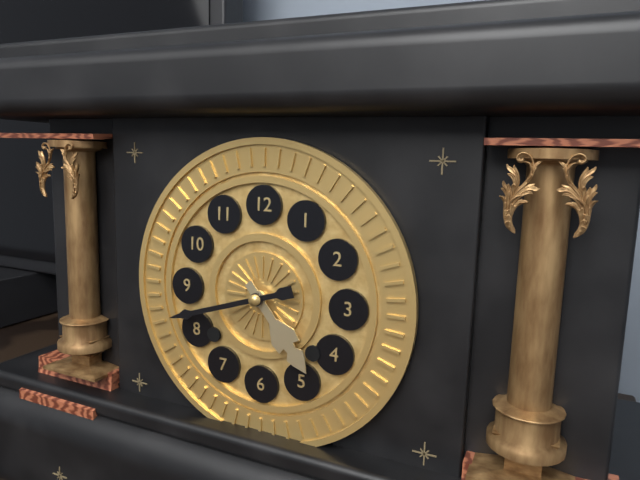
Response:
{"hour": 4, "minute": 42}
